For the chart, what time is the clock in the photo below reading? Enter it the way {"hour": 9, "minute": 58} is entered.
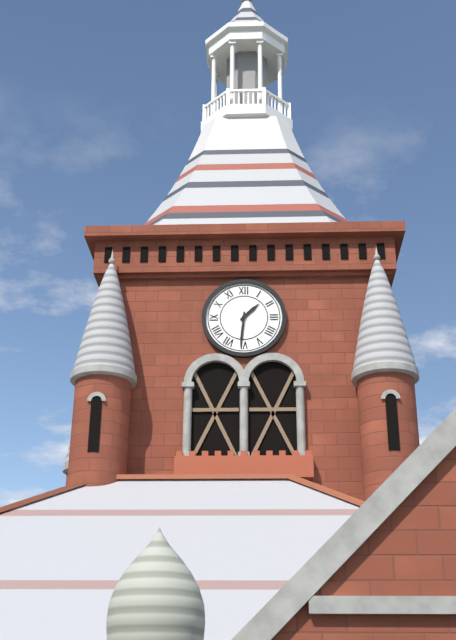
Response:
{"hour": 1, "minute": 31}
